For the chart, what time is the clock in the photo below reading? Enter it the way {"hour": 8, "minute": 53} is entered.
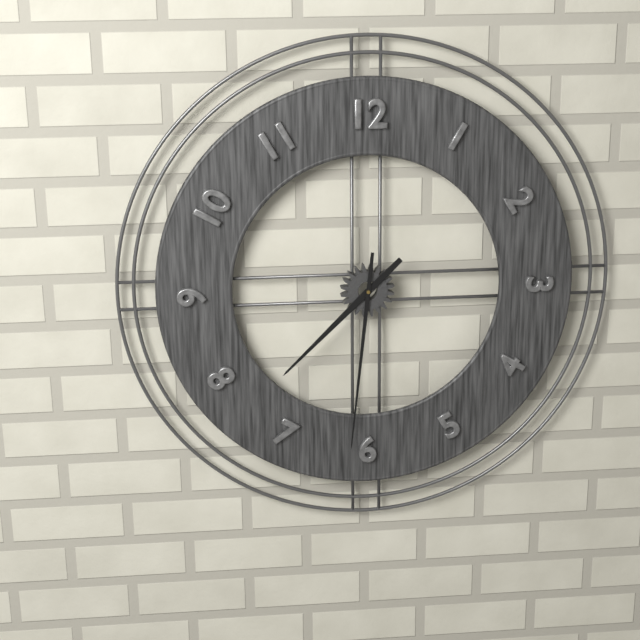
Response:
{"hour": 7, "minute": 31}
